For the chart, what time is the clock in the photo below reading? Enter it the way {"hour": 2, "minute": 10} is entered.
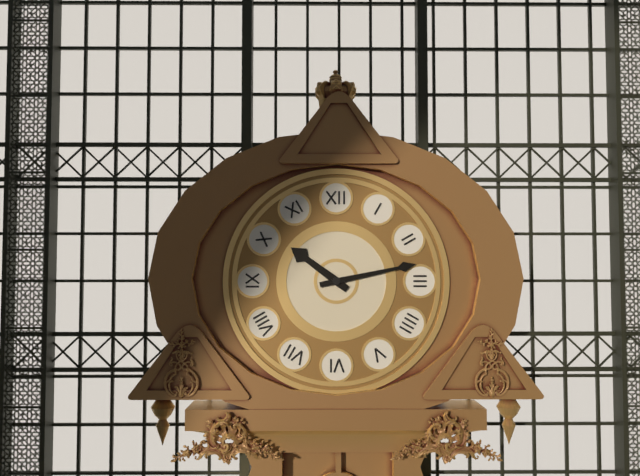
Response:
{"hour": 10, "minute": 13}
